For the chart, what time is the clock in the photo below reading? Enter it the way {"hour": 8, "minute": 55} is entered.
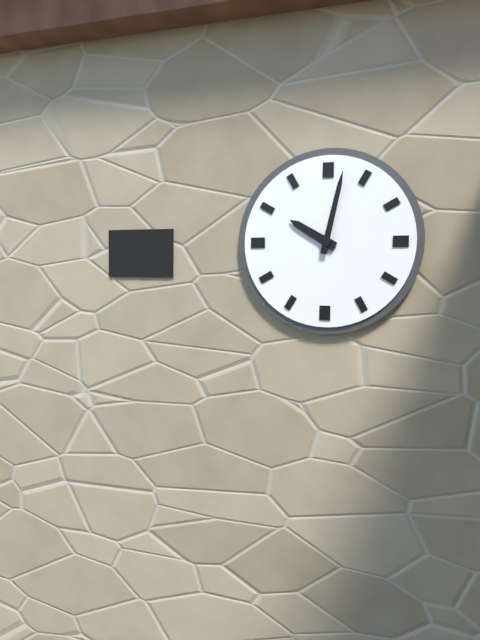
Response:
{"hour": 10, "minute": 2}
